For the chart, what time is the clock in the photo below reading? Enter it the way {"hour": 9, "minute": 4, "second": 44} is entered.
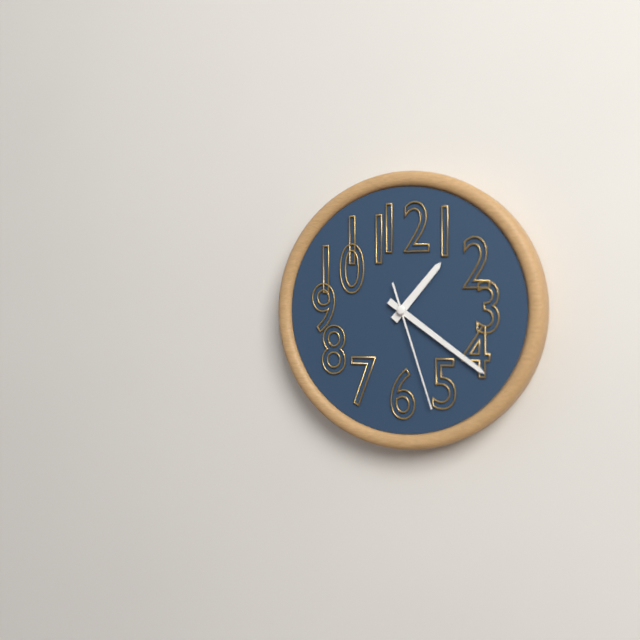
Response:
{"hour": 1, "minute": 21, "second": 27}
